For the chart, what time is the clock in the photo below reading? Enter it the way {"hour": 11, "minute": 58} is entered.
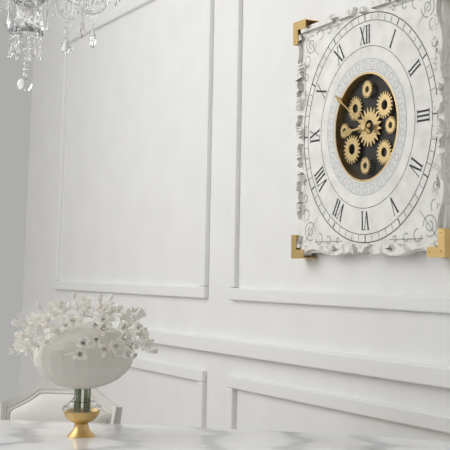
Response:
{"hour": 8, "minute": 51}
